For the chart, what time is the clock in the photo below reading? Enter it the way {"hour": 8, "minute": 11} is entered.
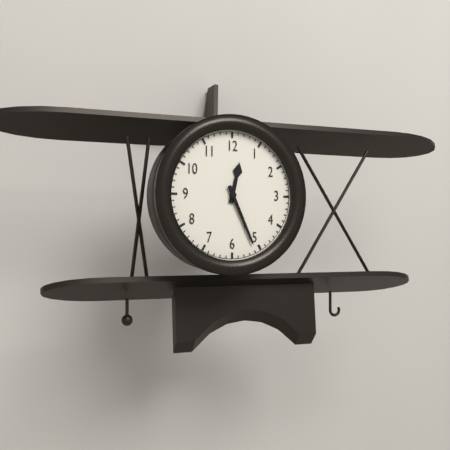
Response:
{"hour": 12, "minute": 26}
